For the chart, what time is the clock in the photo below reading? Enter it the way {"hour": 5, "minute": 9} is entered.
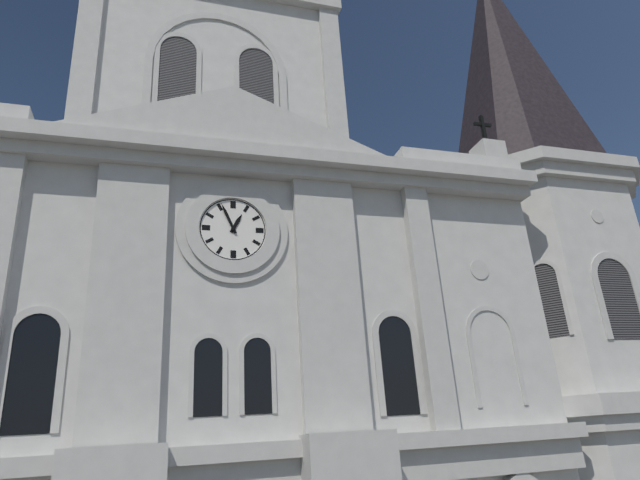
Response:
{"hour": 12, "minute": 56}
